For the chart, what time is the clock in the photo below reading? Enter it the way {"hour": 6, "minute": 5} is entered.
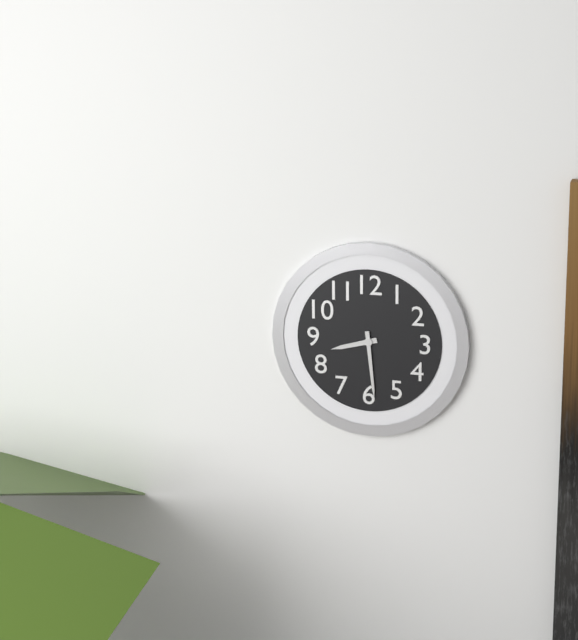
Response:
{"hour": 8, "minute": 29}
